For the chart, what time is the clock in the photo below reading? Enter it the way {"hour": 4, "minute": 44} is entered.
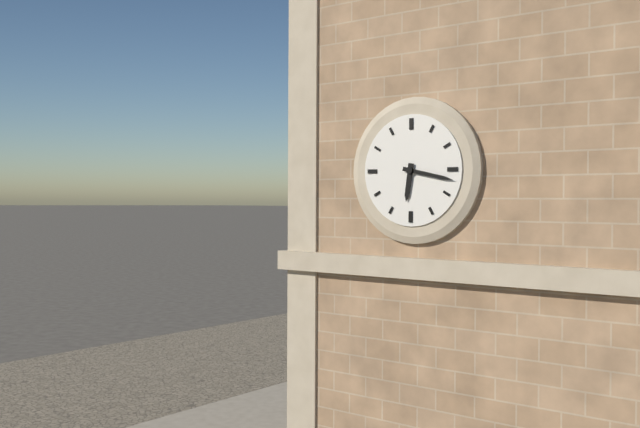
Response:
{"hour": 6, "minute": 17}
